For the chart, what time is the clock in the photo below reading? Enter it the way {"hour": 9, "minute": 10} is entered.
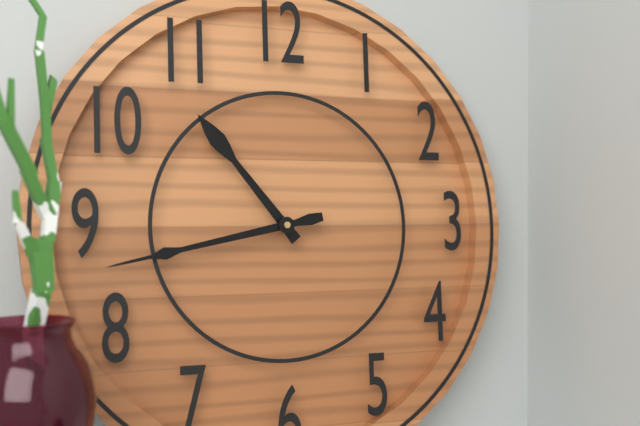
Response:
{"hour": 10, "minute": 43}
